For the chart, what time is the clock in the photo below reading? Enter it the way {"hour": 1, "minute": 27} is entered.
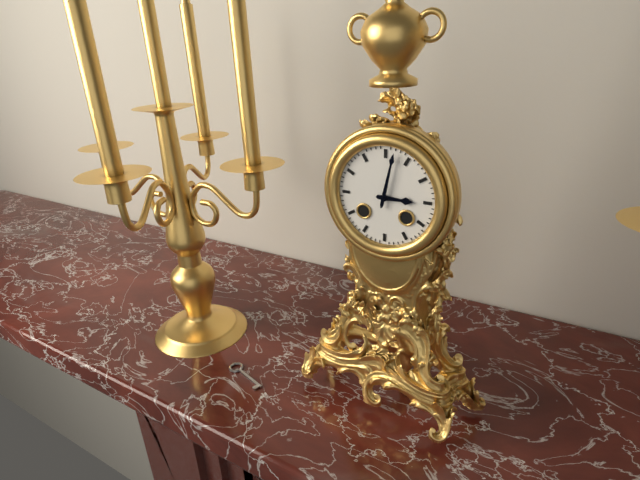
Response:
{"hour": 3, "minute": 2}
